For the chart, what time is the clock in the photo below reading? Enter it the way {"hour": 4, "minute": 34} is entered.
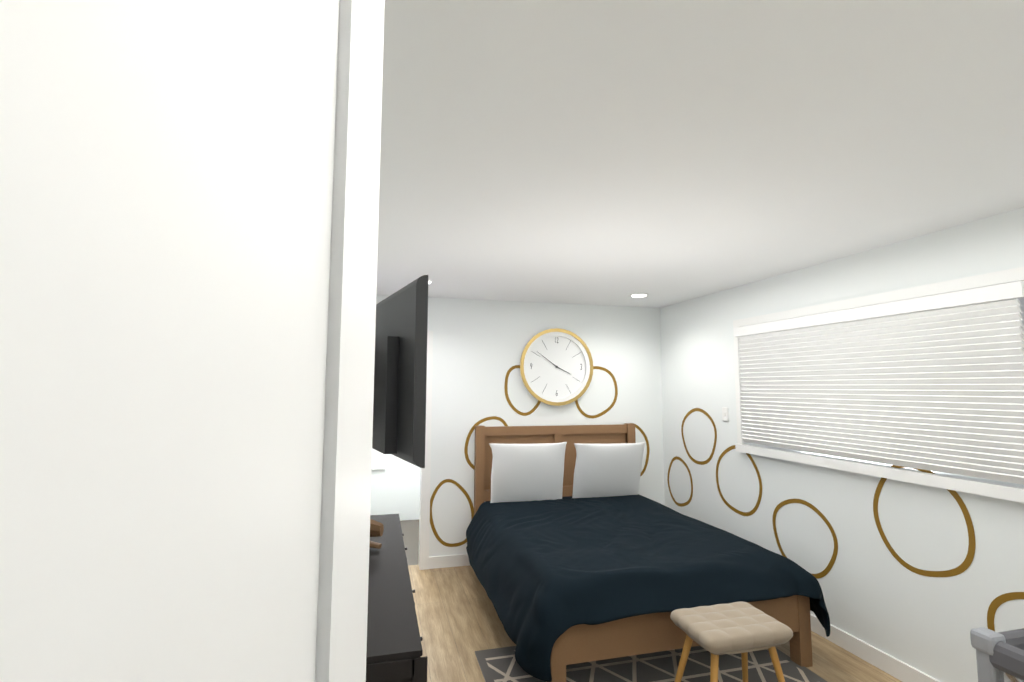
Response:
{"hour": 3, "minute": 51}
